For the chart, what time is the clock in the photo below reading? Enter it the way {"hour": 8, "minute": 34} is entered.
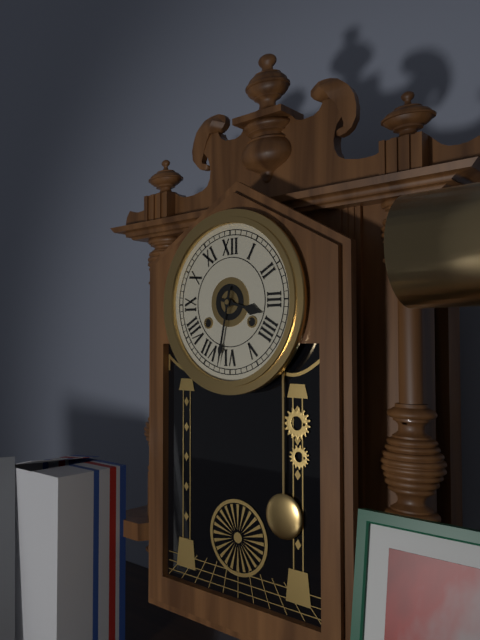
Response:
{"hour": 3, "minute": 32}
